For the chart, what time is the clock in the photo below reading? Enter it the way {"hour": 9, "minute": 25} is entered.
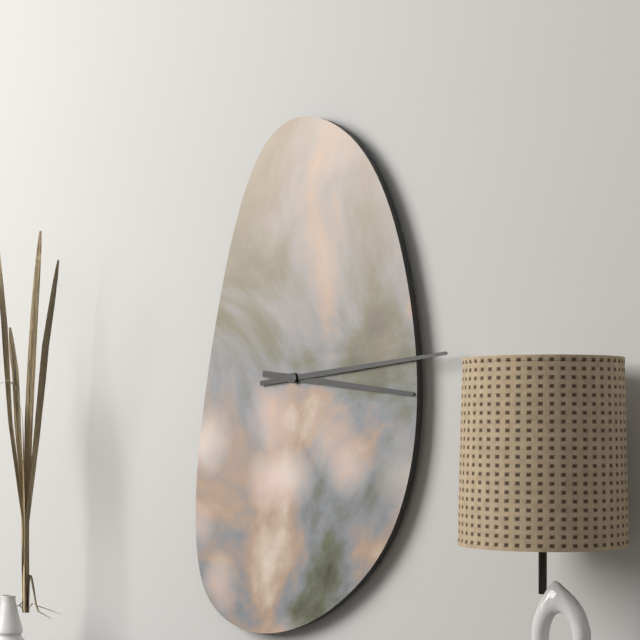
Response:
{"hour": 3, "minute": 14}
